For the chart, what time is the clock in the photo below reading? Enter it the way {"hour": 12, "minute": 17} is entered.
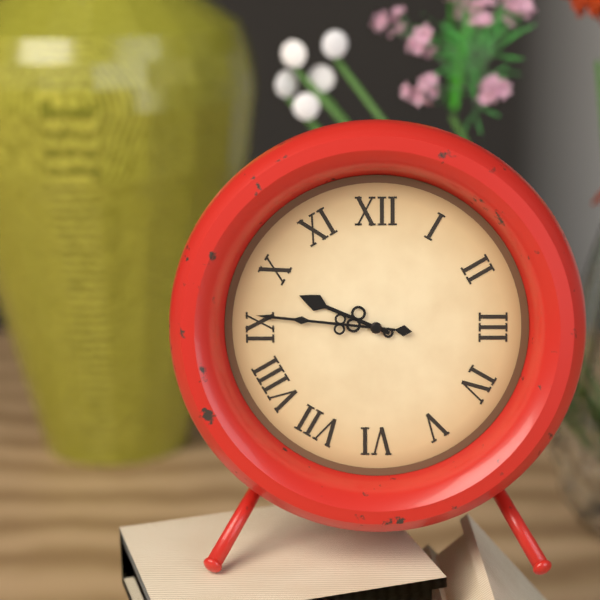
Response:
{"hour": 9, "minute": 46}
